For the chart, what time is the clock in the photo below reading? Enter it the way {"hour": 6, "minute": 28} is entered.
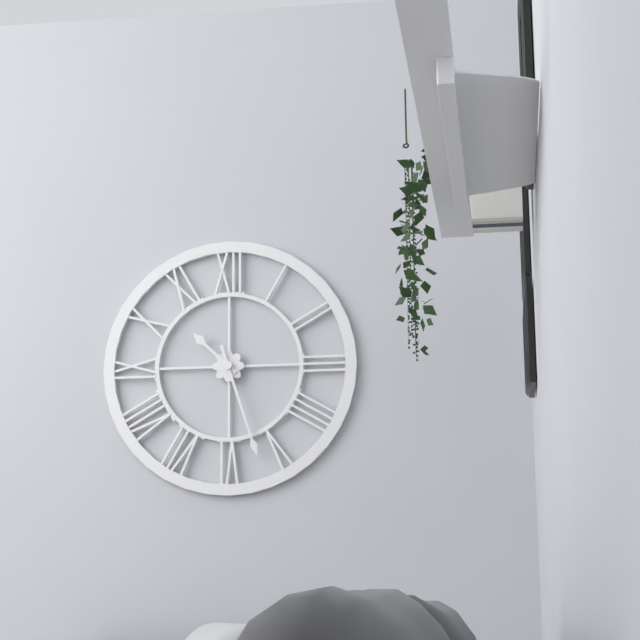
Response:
{"hour": 10, "minute": 27}
